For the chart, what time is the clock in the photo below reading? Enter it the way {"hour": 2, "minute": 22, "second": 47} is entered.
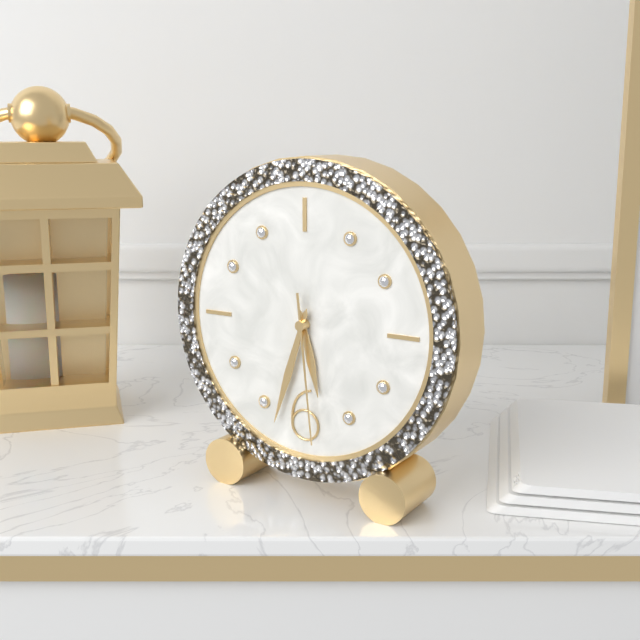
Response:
{"hour": 5, "minute": 33, "second": 29}
